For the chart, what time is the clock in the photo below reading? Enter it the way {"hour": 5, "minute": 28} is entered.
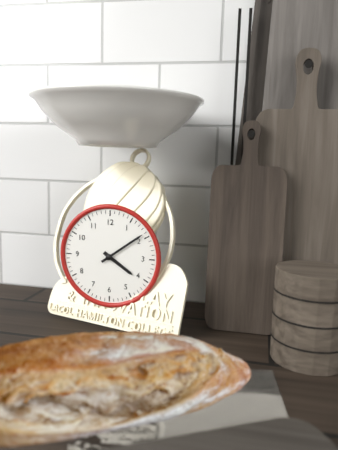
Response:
{"hour": 4, "minute": 9}
